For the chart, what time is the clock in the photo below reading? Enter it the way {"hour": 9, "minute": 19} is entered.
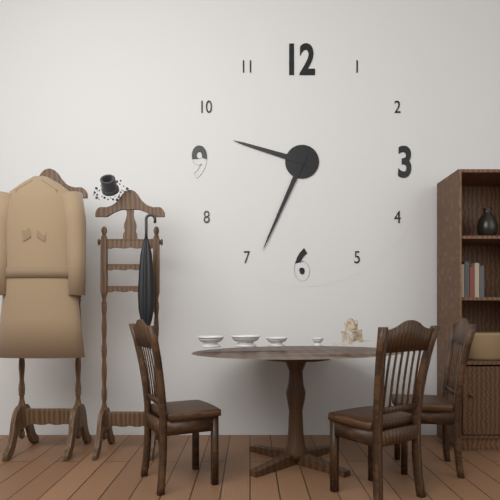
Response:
{"hour": 9, "minute": 34}
